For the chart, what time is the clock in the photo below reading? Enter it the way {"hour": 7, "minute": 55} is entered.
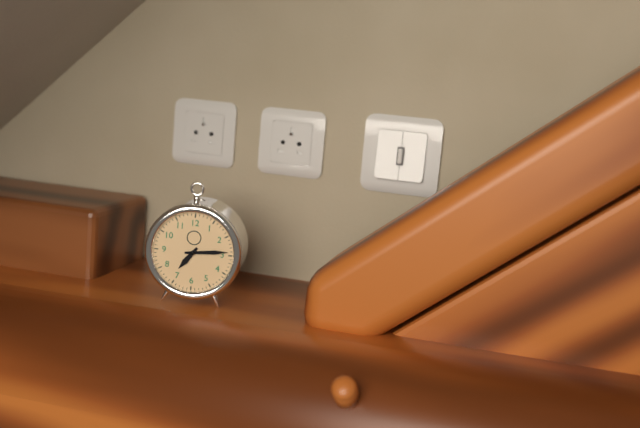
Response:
{"hour": 7, "minute": 14}
